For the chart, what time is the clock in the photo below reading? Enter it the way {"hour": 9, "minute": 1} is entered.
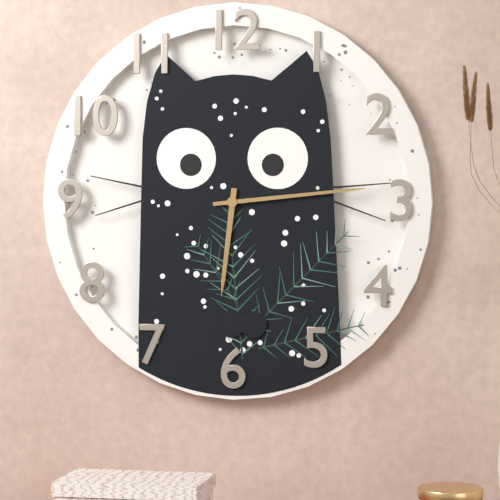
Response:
{"hour": 6, "minute": 14}
